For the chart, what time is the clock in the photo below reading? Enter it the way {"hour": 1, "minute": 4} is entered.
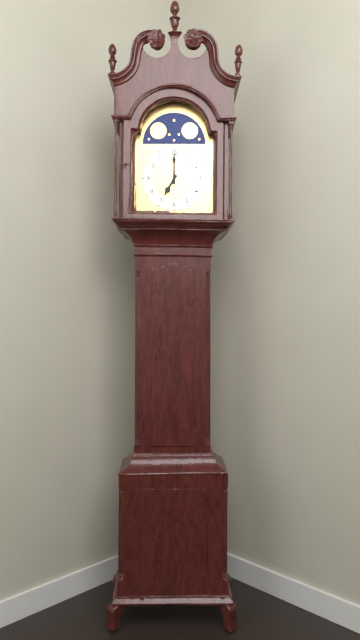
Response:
{"hour": 7, "minute": 0}
